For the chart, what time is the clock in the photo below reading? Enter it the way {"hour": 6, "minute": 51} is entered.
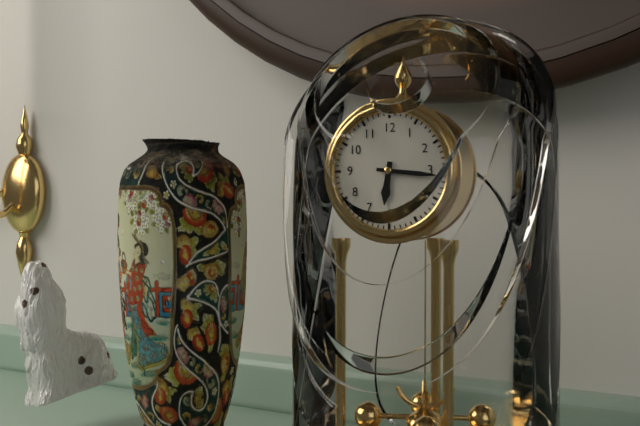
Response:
{"hour": 6, "minute": 16}
